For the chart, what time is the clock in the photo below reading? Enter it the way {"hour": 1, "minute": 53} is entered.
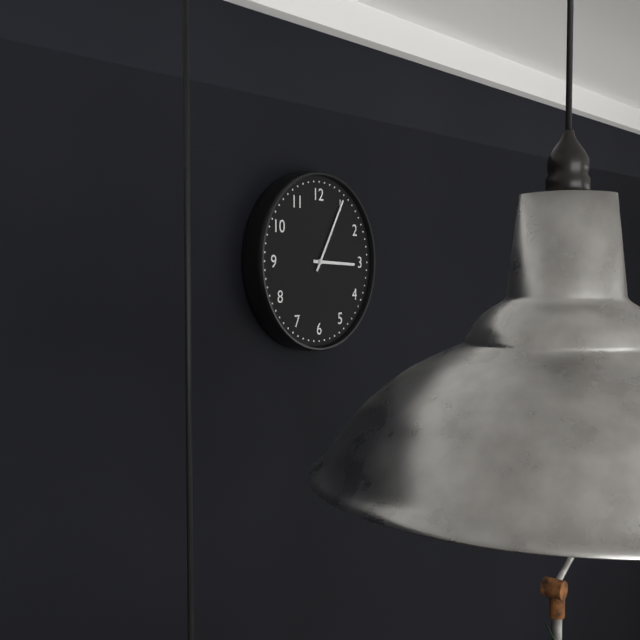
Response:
{"hour": 3, "minute": 5}
